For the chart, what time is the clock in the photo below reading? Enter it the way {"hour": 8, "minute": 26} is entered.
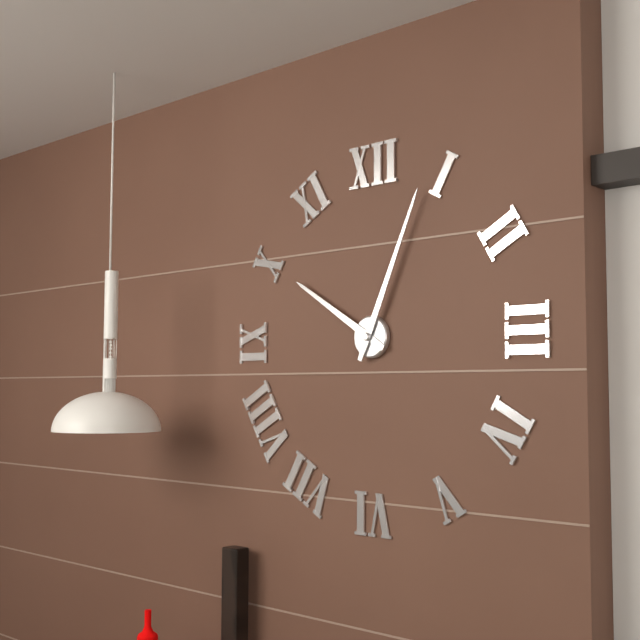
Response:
{"hour": 10, "minute": 4}
